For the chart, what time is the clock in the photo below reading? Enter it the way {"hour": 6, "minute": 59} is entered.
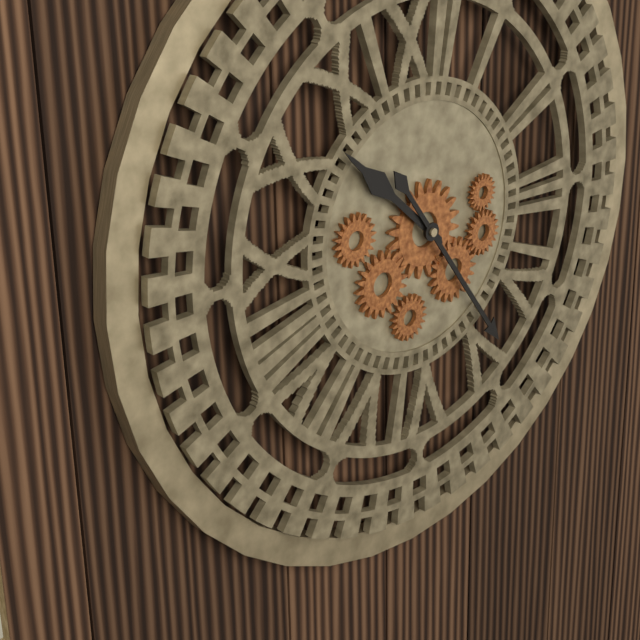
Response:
{"hour": 10, "minute": 24}
